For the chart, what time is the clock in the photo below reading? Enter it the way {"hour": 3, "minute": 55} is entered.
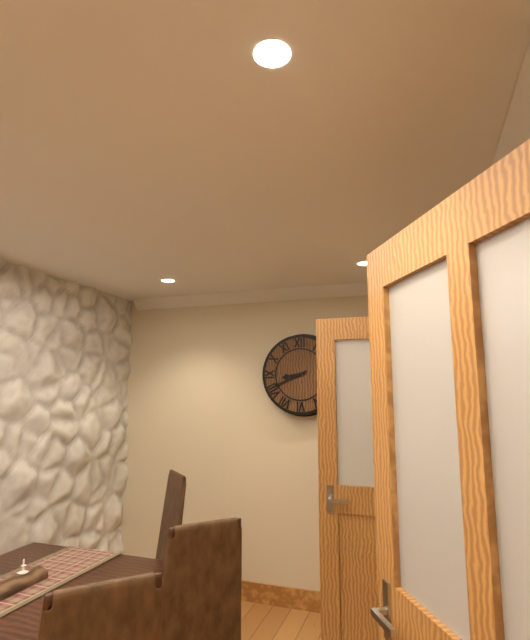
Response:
{"hour": 8, "minute": 41}
